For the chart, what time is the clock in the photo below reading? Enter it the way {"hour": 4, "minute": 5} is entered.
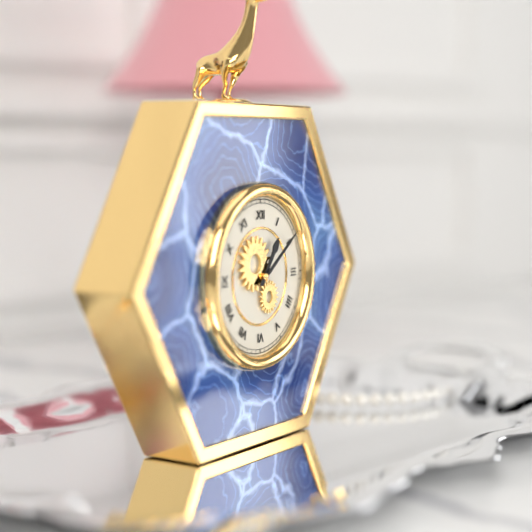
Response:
{"hour": 1, "minute": 9}
